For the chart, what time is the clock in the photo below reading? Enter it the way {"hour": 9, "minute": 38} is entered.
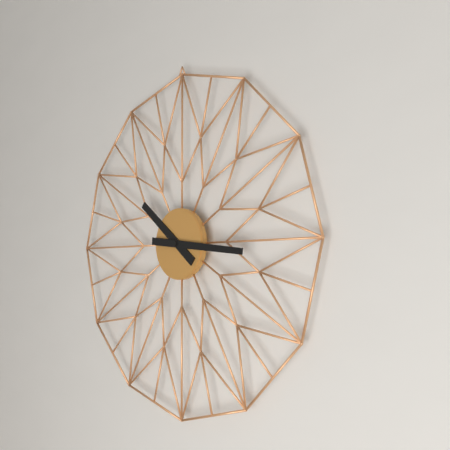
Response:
{"hour": 10, "minute": 16}
